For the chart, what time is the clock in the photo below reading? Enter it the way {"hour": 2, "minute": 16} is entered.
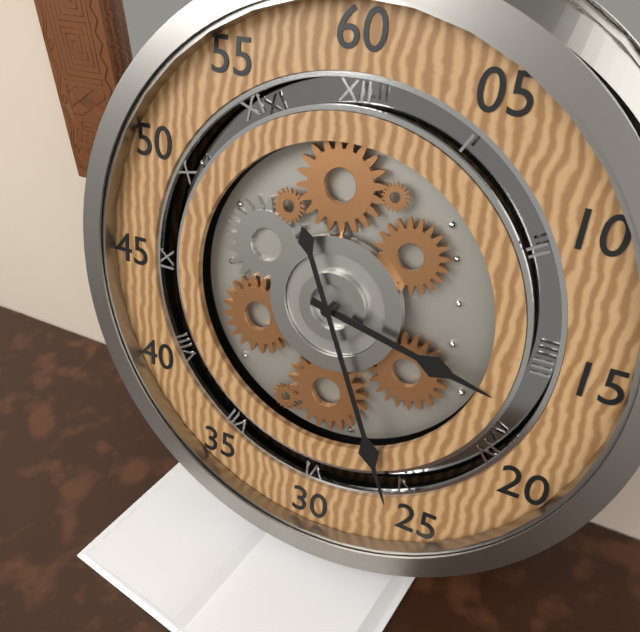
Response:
{"hour": 3, "minute": 26}
